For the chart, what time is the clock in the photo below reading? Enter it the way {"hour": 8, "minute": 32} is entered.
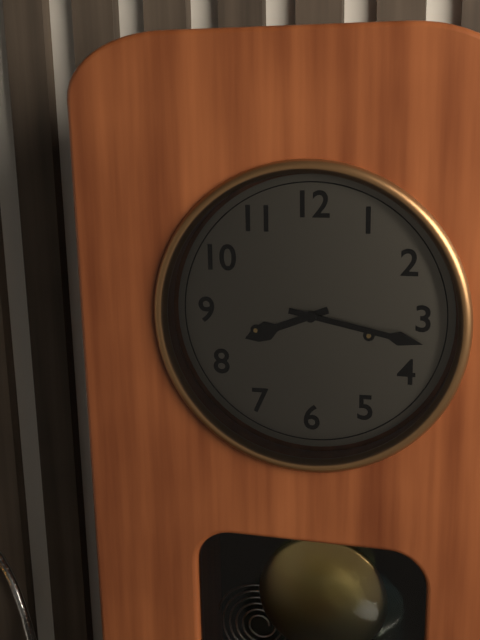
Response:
{"hour": 8, "minute": 17}
